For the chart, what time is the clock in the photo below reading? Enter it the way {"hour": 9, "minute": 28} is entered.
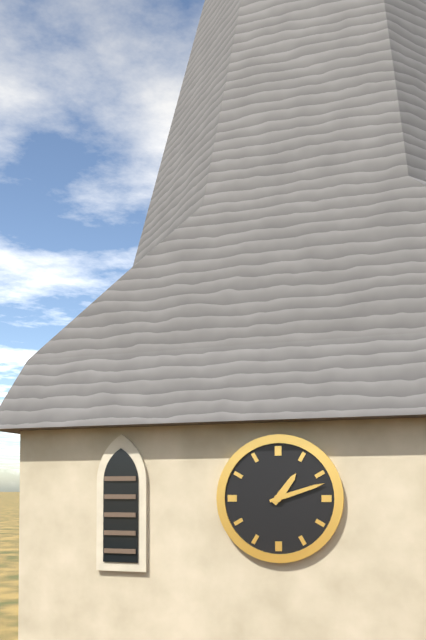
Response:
{"hour": 1, "minute": 12}
